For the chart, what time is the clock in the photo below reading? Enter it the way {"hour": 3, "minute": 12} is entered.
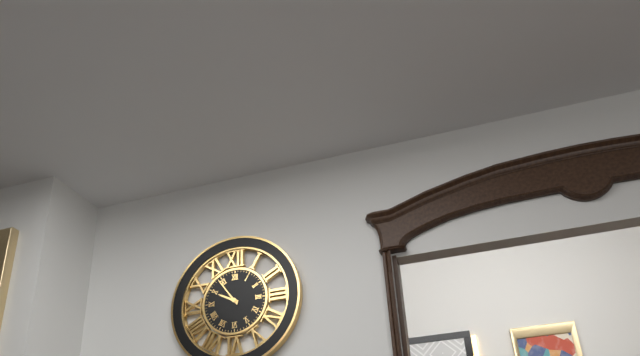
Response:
{"hour": 9, "minute": 54}
